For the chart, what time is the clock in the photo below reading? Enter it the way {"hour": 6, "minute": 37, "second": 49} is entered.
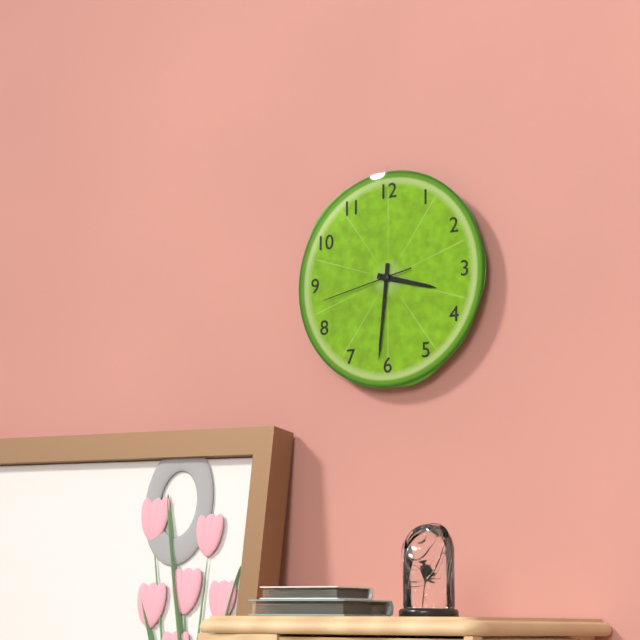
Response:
{"hour": 3, "minute": 31, "second": 43}
